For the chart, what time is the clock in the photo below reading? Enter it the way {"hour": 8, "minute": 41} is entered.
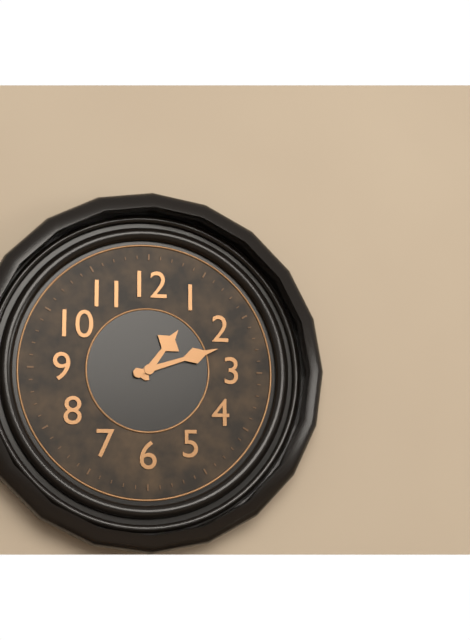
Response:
{"hour": 1, "minute": 12}
